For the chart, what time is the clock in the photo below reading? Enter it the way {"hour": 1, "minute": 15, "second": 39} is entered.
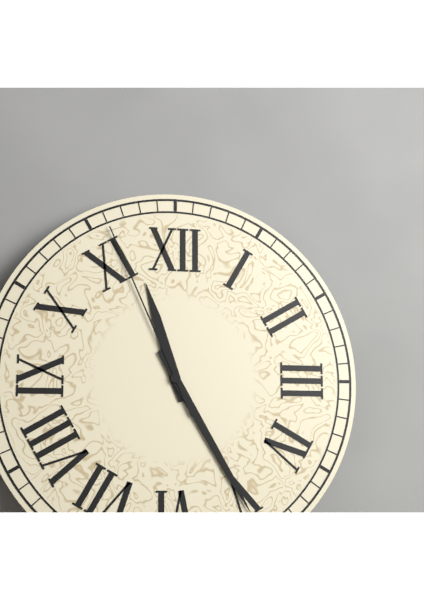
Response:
{"hour": 11, "minute": 25, "second": 56}
